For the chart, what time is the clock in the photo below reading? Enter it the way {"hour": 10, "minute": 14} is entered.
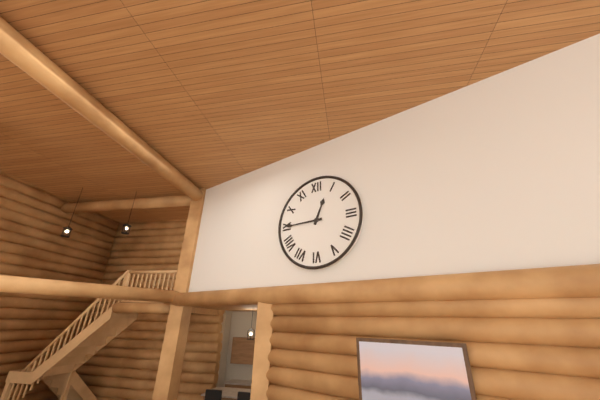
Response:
{"hour": 12, "minute": 45}
